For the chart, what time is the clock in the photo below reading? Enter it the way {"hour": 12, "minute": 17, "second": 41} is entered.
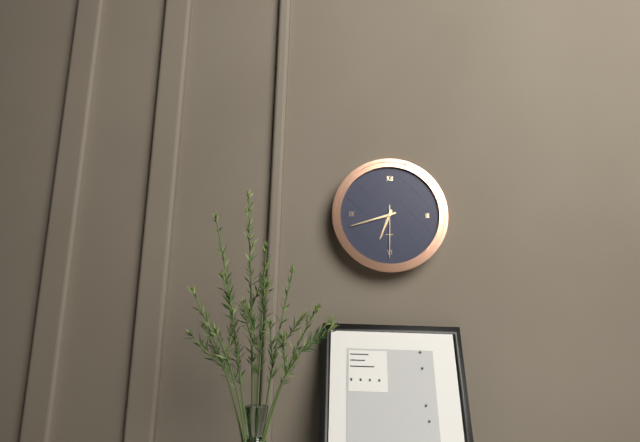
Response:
{"hour": 6, "minute": 42, "second": 30}
